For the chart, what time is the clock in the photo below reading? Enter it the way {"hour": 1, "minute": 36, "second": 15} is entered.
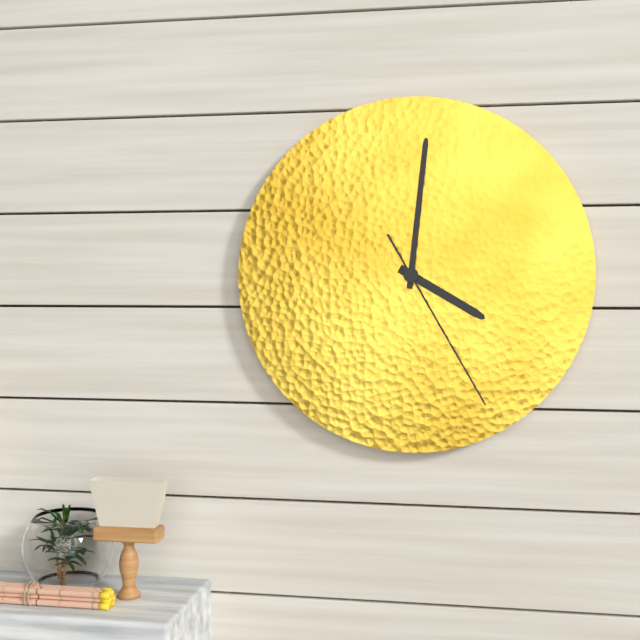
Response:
{"hour": 4, "minute": 1, "second": 25}
